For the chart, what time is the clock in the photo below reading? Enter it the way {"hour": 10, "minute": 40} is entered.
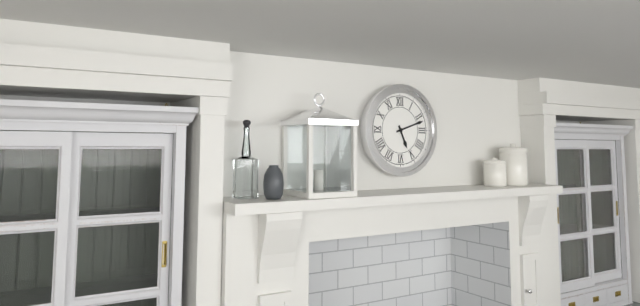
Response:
{"hour": 5, "minute": 12}
